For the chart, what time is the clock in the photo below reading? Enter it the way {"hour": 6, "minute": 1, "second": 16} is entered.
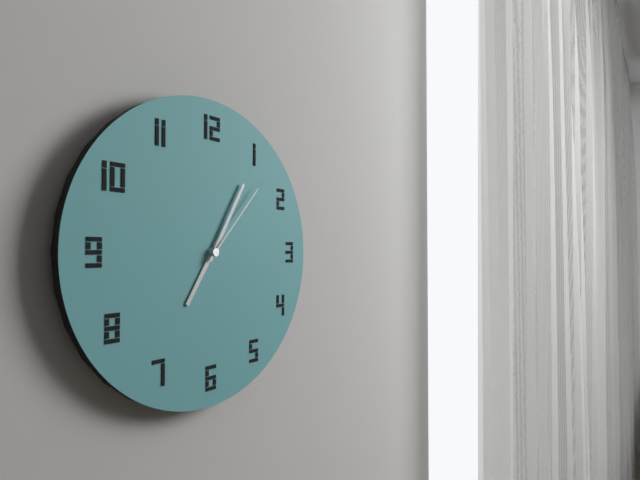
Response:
{"hour": 7, "minute": 5, "second": 7}
